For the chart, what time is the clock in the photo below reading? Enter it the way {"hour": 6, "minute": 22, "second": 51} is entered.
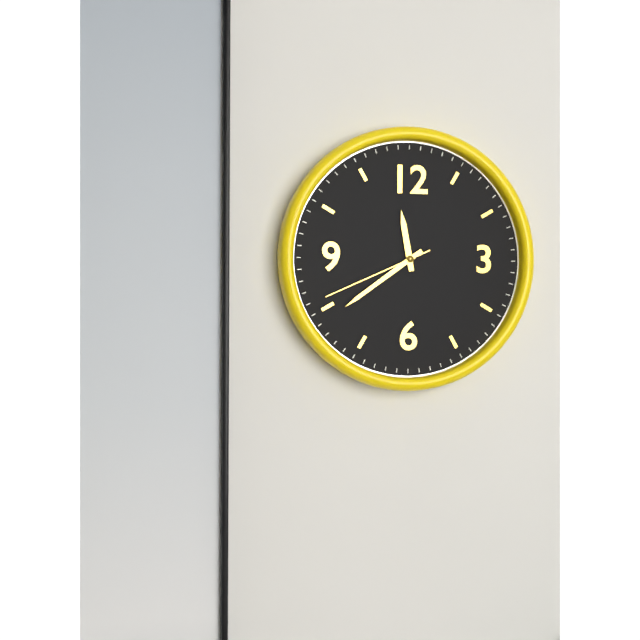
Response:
{"hour": 11, "minute": 39, "second": 41}
